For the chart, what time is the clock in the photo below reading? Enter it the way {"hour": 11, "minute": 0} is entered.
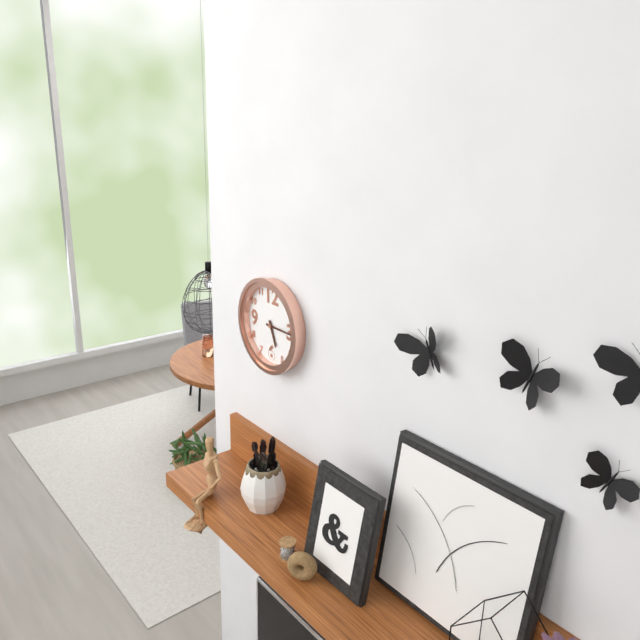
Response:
{"hour": 5, "minute": 15}
